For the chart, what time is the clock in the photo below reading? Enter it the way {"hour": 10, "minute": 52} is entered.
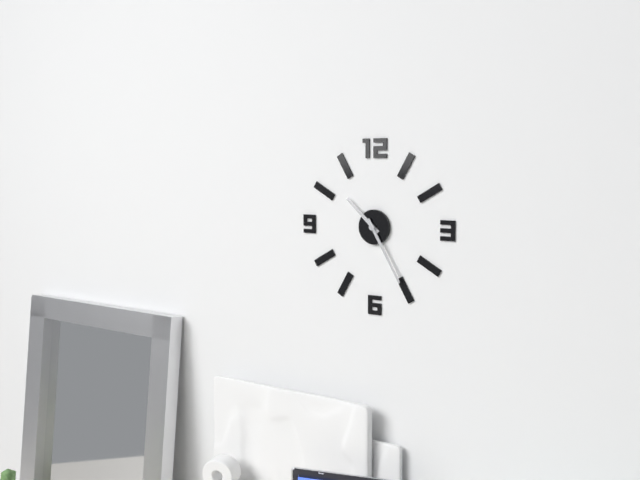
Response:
{"hour": 10, "minute": 25}
